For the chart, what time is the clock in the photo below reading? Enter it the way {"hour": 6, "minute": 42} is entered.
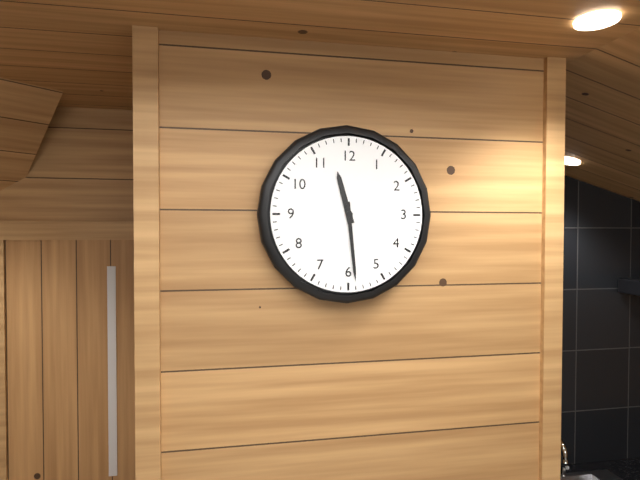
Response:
{"hour": 11, "minute": 29}
